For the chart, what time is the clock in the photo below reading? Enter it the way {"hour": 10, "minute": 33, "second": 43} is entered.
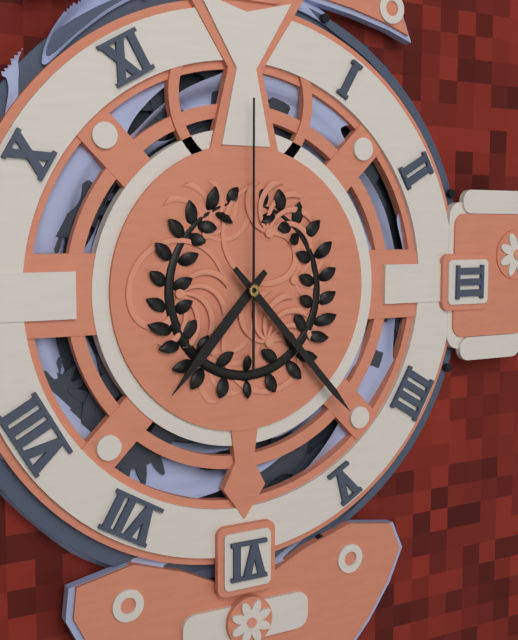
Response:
{"hour": 7, "minute": 23, "second": 0}
